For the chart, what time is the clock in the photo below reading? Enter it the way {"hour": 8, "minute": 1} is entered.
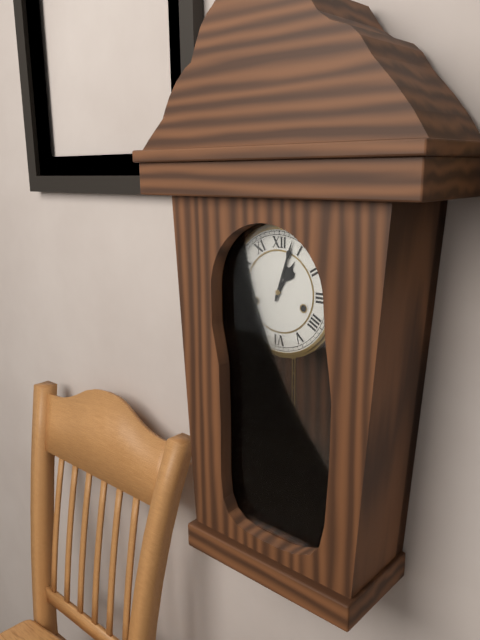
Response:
{"hour": 1, "minute": 3}
